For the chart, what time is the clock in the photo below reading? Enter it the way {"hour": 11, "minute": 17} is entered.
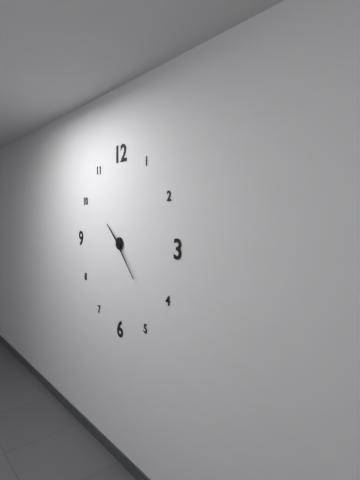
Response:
{"hour": 10, "minute": 23}
